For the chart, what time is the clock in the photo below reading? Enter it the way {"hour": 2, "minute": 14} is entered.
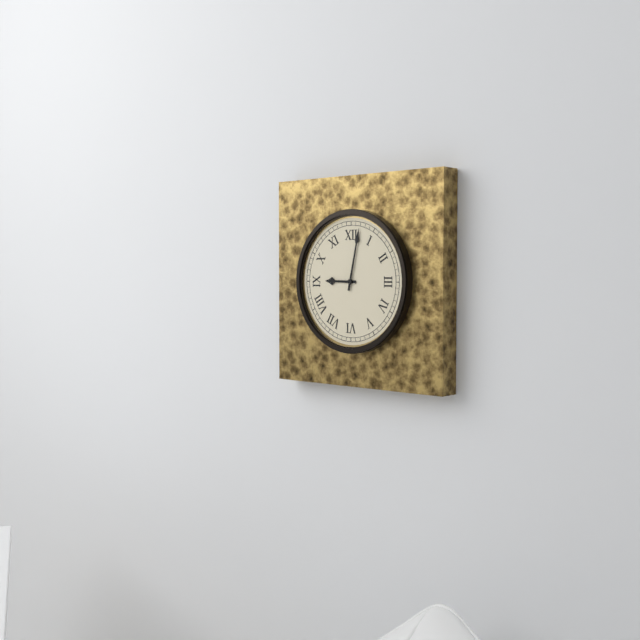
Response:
{"hour": 9, "minute": 2}
